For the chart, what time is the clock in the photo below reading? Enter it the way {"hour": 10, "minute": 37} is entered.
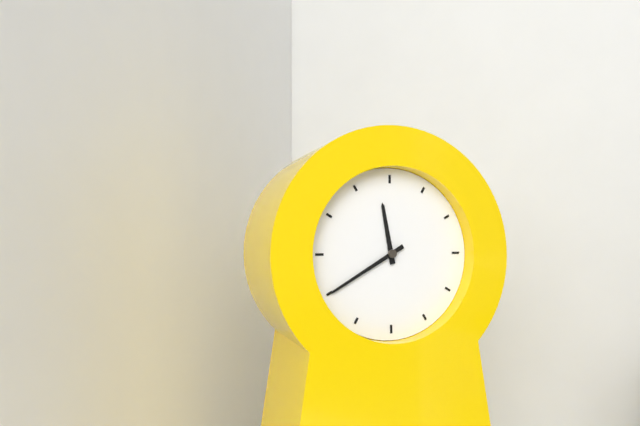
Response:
{"hour": 11, "minute": 40}
